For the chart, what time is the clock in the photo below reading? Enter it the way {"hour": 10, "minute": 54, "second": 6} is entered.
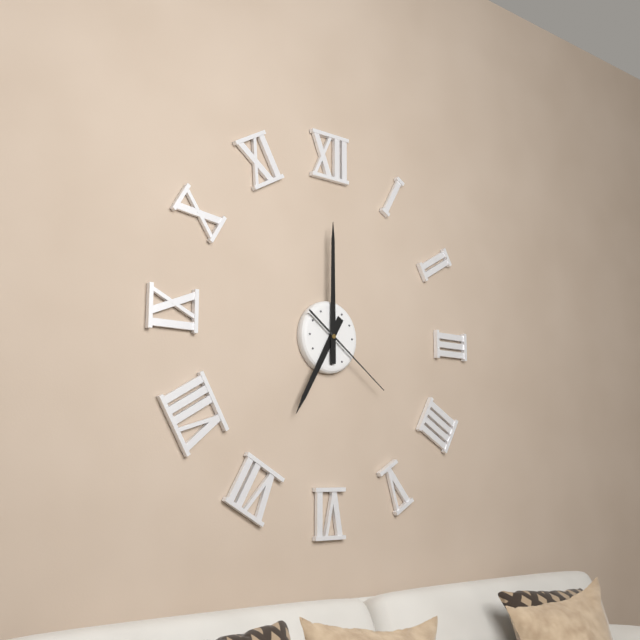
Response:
{"hour": 7, "minute": 0, "second": 21}
